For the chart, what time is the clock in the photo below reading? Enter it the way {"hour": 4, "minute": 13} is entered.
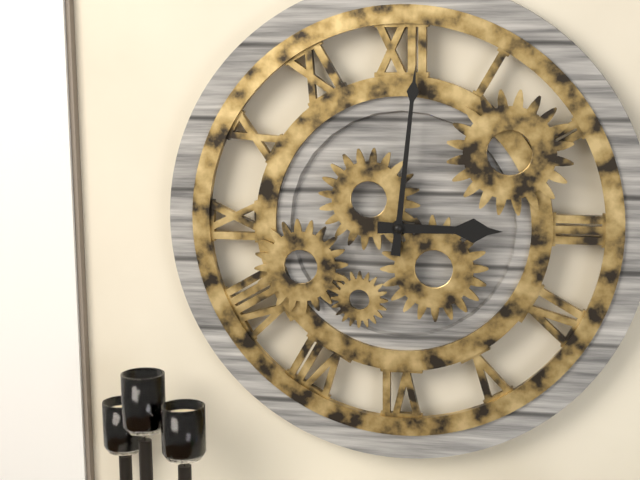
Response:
{"hour": 3, "minute": 1}
